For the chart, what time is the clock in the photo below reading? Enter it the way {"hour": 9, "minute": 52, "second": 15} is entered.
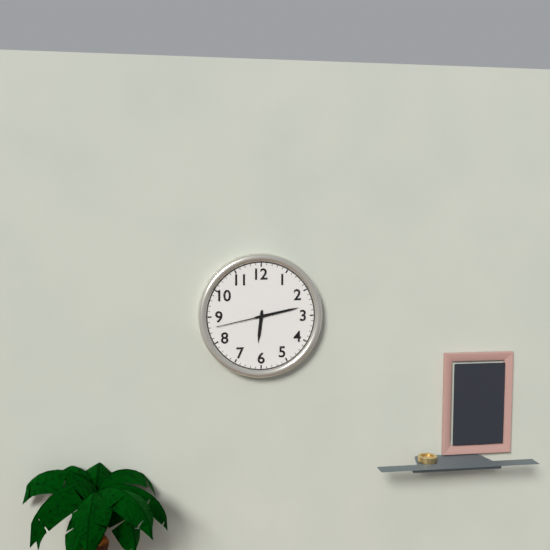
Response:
{"hour": 6, "minute": 13, "second": 43}
